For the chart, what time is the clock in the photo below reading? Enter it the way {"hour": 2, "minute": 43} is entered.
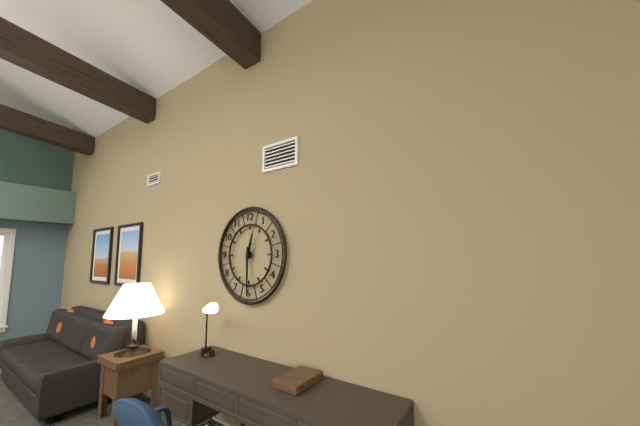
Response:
{"hour": 12, "minute": 30}
